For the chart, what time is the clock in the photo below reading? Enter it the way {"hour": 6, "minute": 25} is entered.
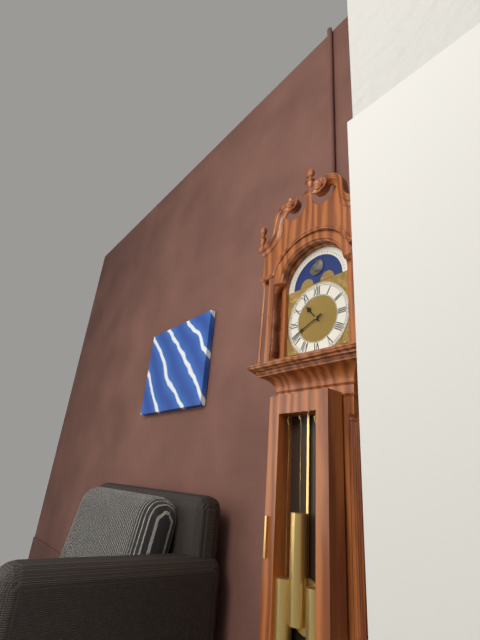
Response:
{"hour": 10, "minute": 41}
